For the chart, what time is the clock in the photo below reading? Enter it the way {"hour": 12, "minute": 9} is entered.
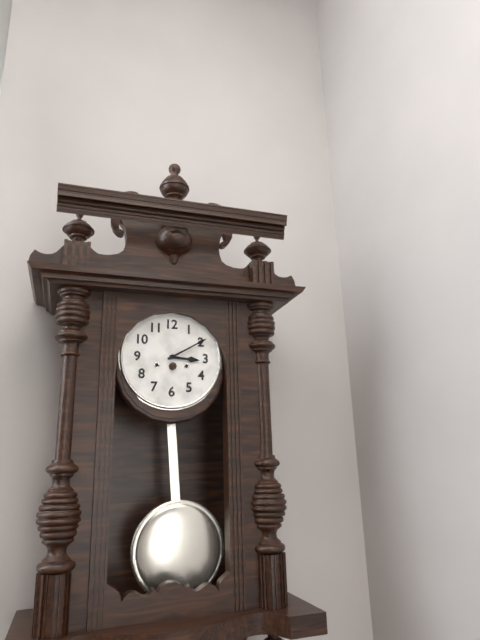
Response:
{"hour": 3, "minute": 10}
